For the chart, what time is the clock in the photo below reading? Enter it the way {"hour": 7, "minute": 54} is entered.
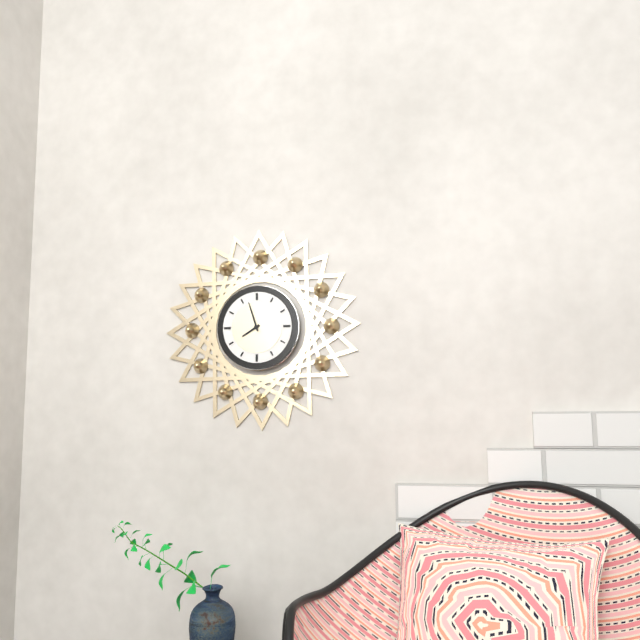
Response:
{"hour": 7, "minute": 57}
